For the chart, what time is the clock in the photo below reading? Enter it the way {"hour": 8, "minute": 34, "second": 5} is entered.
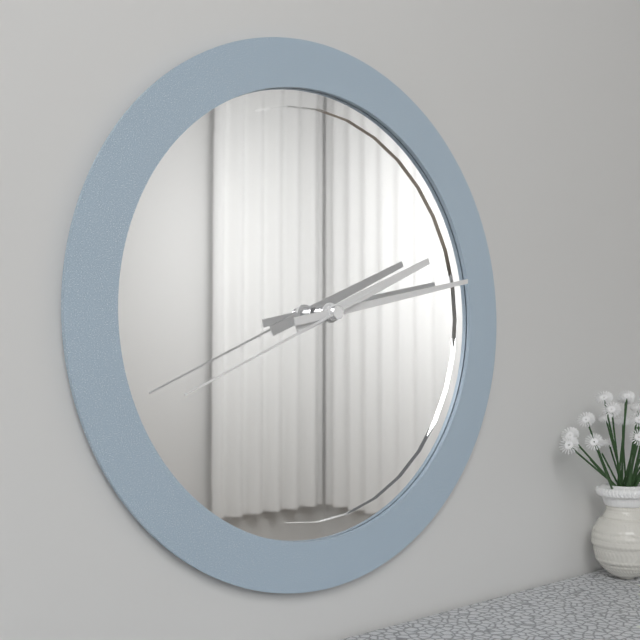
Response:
{"hour": 2, "minute": 13, "second": 41}
